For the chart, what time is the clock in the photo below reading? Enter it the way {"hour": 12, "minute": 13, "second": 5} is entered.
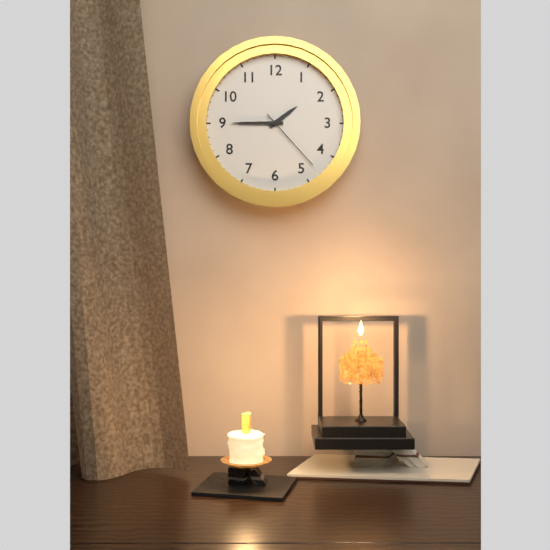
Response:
{"hour": 1, "minute": 45, "second": 23}
